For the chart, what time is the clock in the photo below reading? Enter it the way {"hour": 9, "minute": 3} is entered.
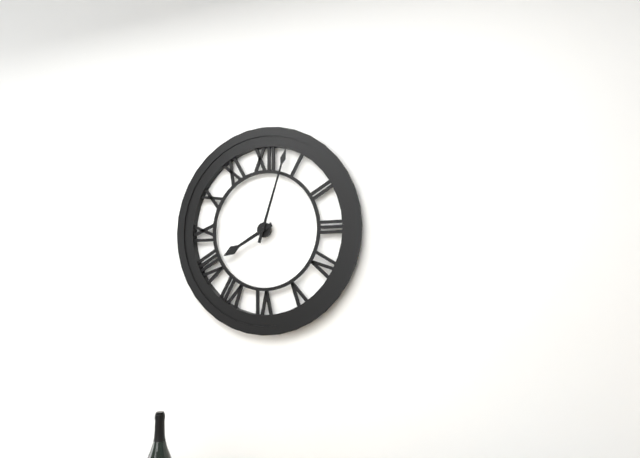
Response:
{"hour": 8, "minute": 3}
